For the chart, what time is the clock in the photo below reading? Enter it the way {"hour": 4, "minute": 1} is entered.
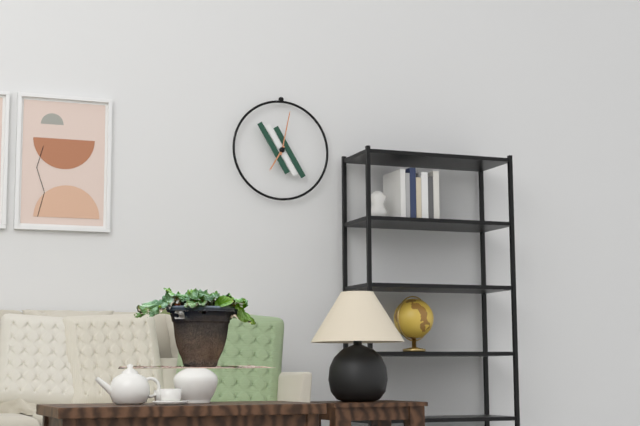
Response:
{"hour": 7, "minute": 2}
